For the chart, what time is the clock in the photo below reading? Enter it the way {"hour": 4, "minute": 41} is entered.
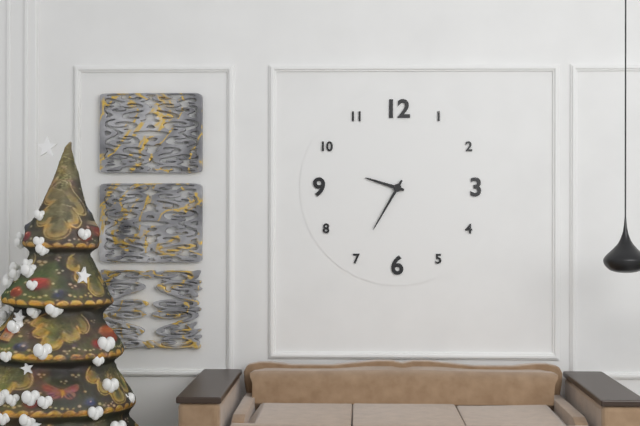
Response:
{"hour": 9, "minute": 35}
